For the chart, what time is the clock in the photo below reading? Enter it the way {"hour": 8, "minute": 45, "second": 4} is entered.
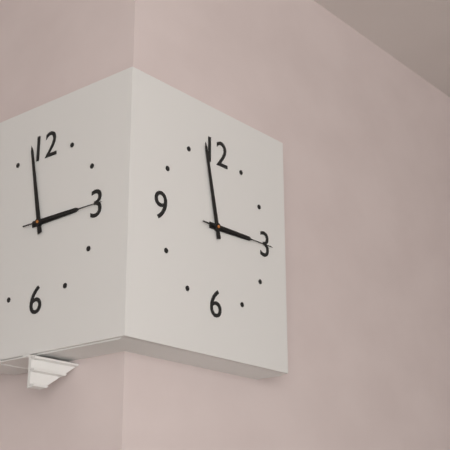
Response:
{"hour": 2, "minute": 58, "second": 15}
